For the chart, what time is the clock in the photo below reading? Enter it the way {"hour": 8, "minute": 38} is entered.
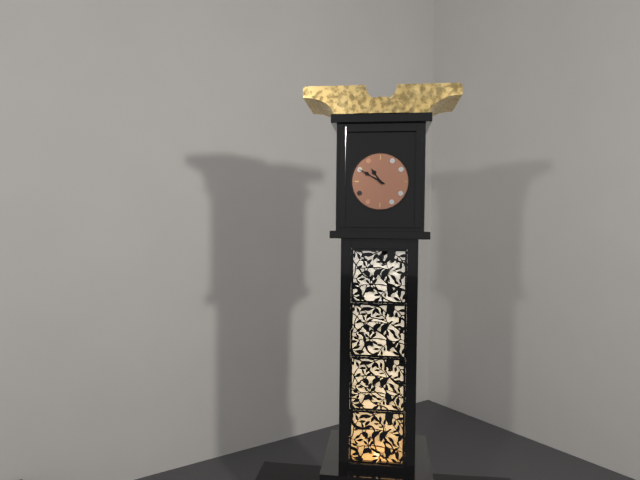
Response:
{"hour": 10, "minute": 50}
